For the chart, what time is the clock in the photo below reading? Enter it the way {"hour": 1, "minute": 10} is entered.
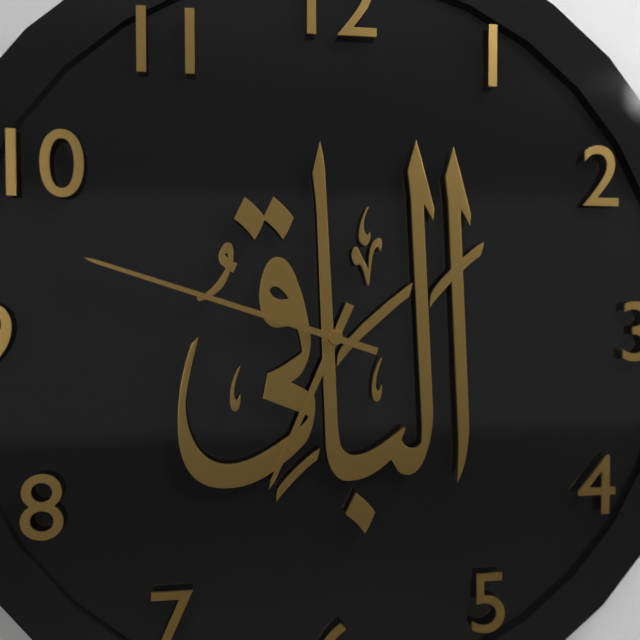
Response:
{"hour": 6, "minute": 48}
